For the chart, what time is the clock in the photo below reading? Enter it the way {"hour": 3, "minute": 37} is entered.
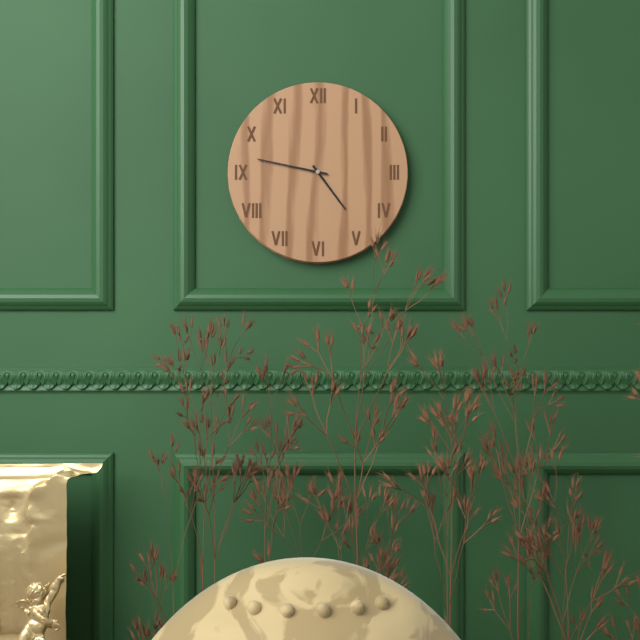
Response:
{"hour": 4, "minute": 47}
